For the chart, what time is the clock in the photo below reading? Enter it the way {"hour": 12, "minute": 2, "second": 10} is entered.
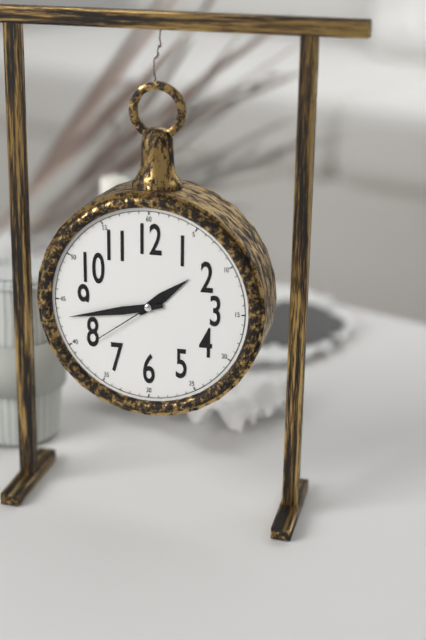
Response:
{"hour": 1, "minute": 43, "second": 39}
